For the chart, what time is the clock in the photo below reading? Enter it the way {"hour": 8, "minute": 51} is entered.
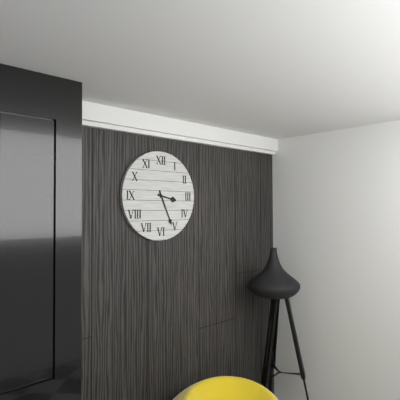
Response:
{"hour": 3, "minute": 26}
